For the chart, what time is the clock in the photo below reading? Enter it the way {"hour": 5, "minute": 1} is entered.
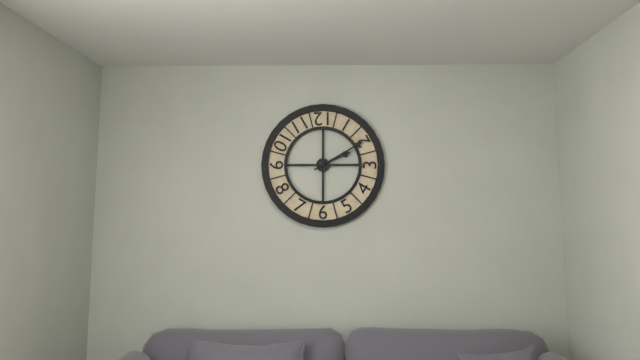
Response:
{"hour": 2, "minute": 10}
